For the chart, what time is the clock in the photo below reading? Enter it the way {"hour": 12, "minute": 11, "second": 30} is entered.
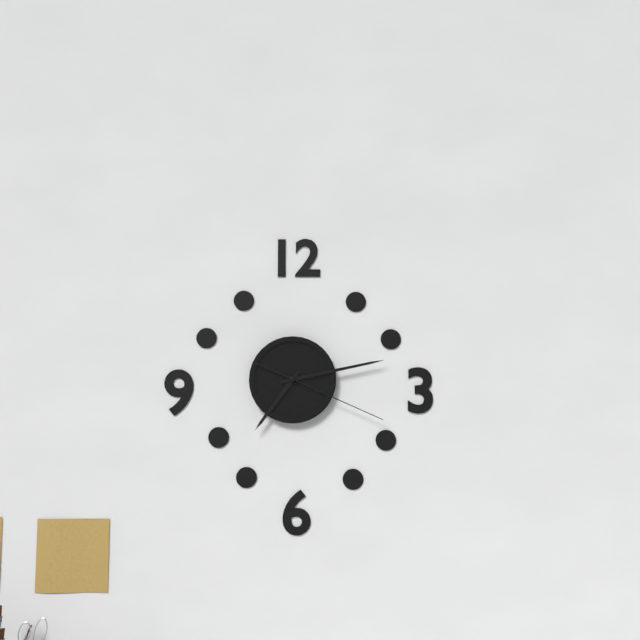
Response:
{"hour": 7, "minute": 13, "second": 19}
